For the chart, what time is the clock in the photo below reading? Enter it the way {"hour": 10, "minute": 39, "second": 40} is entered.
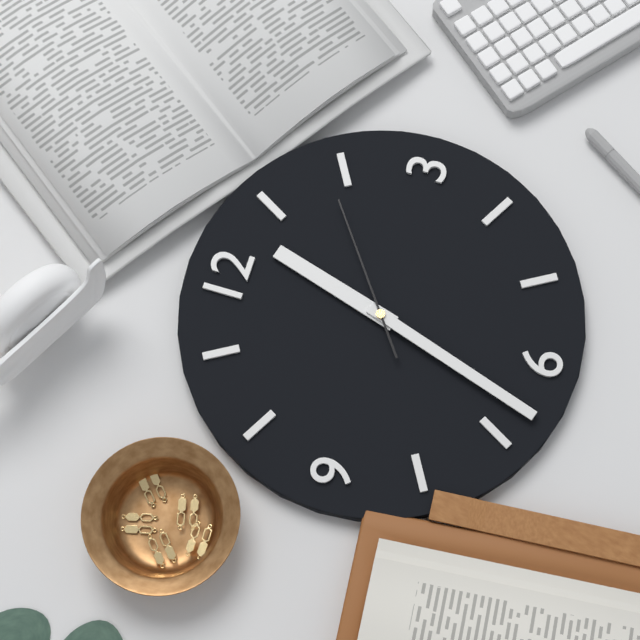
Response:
{"hour": 12, "minute": 33, "second": 9}
